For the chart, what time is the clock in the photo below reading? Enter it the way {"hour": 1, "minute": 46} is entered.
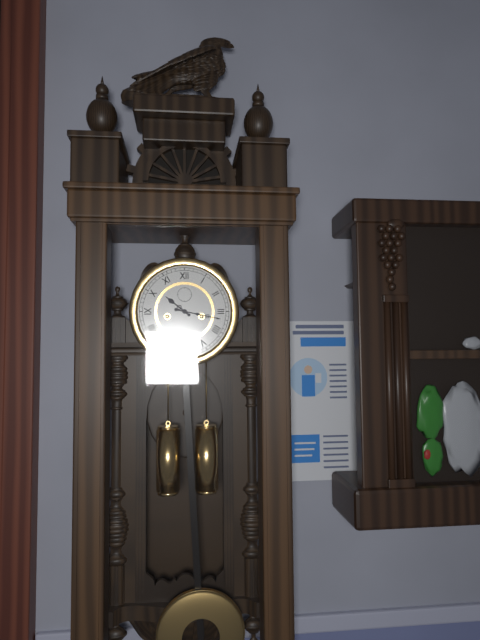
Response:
{"hour": 10, "minute": 17}
